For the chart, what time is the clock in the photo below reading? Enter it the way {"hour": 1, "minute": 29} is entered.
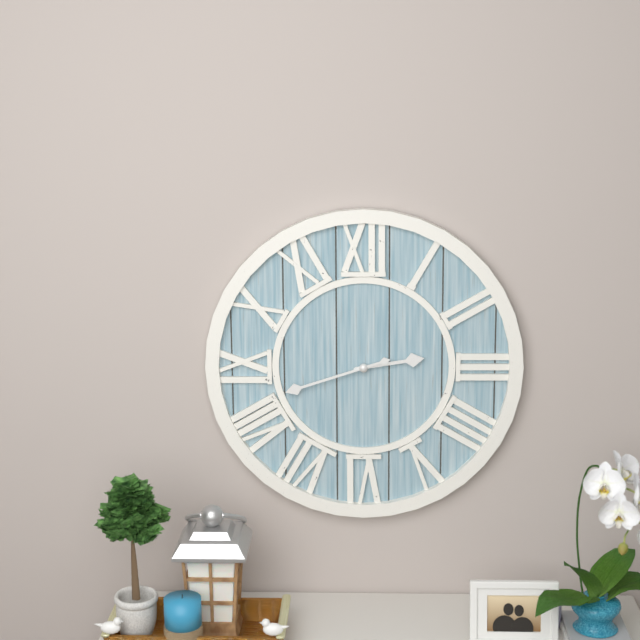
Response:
{"hour": 2, "minute": 42}
